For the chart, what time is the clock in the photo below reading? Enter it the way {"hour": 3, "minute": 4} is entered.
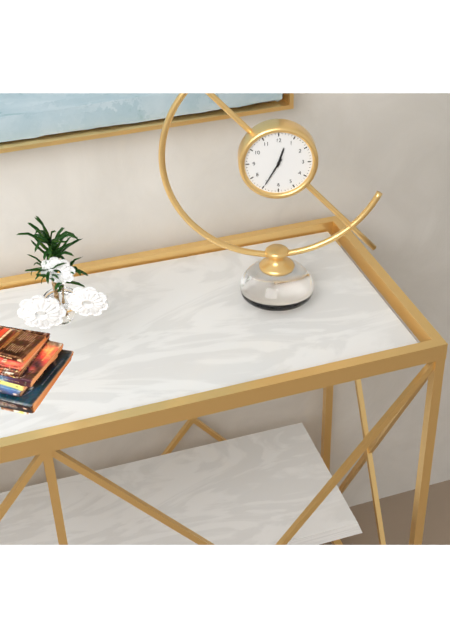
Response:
{"hour": 12, "minute": 35}
